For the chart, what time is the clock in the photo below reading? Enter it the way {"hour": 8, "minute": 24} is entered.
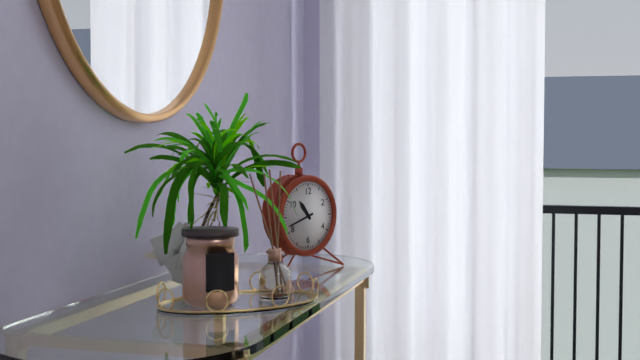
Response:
{"hour": 10, "minute": 42}
